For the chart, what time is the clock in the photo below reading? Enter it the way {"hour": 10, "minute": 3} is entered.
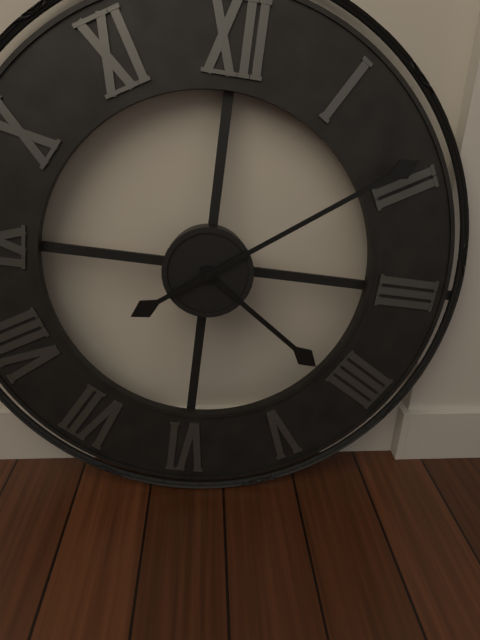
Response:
{"hour": 4, "minute": 9}
